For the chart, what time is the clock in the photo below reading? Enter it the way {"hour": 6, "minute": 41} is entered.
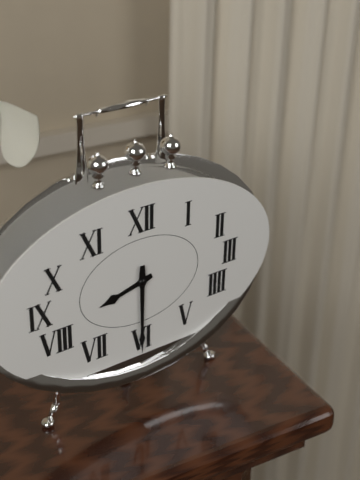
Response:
{"hour": 8, "minute": 30}
